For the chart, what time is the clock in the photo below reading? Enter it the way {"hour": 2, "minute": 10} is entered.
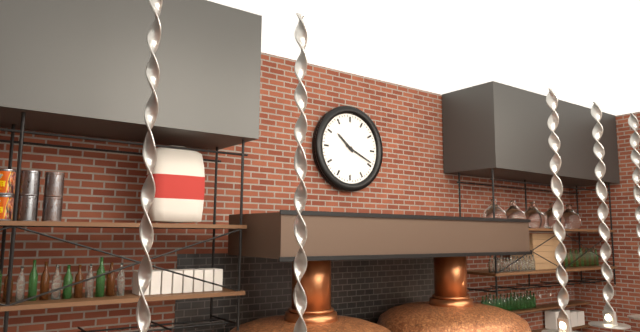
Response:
{"hour": 10, "minute": 19}
